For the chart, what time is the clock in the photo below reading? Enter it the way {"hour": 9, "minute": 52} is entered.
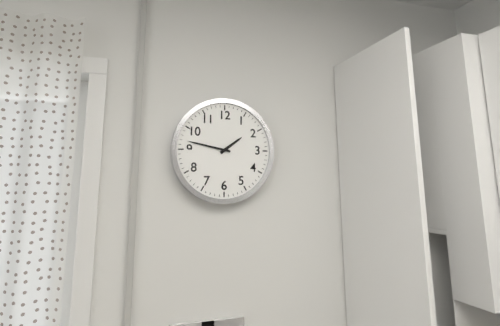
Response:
{"hour": 1, "minute": 47}
